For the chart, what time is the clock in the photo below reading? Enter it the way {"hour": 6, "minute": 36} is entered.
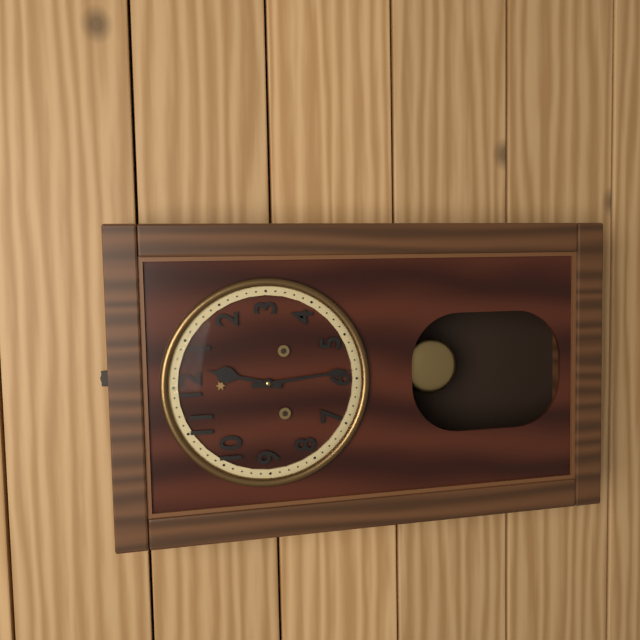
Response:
{"hour": 12, "minute": 29}
